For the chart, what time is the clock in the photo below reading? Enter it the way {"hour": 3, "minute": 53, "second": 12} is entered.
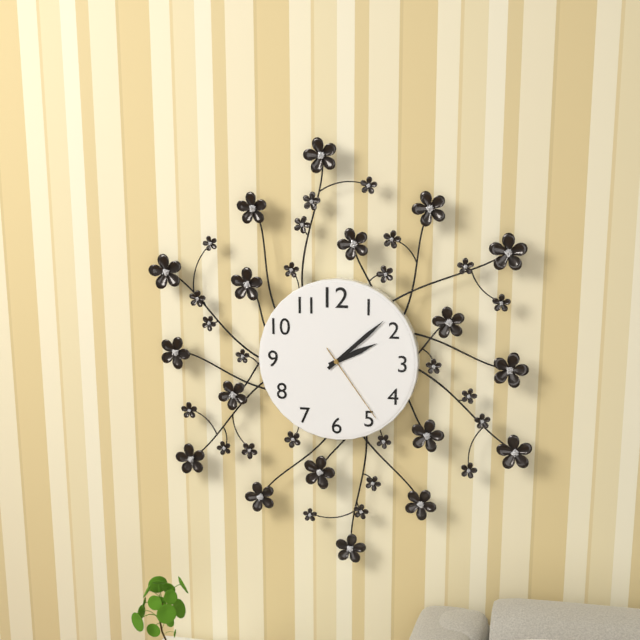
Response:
{"hour": 2, "minute": 8, "second": 24}
